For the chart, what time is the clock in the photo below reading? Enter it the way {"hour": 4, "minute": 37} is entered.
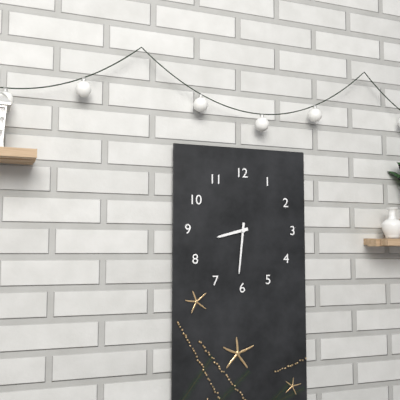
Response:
{"hour": 8, "minute": 31}
